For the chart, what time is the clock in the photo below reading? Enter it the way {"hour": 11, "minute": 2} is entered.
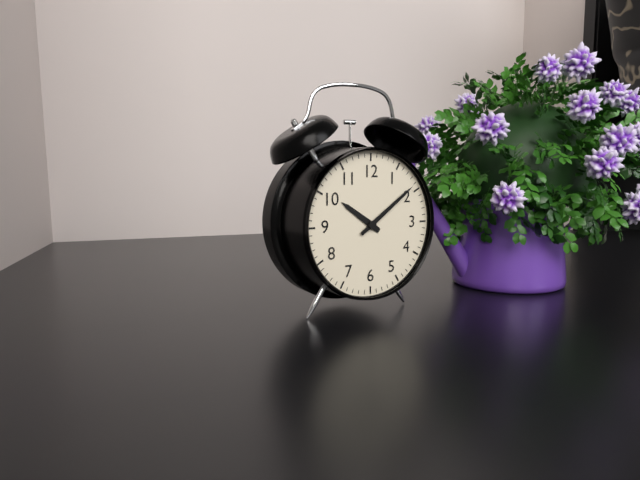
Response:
{"hour": 10, "minute": 9}
